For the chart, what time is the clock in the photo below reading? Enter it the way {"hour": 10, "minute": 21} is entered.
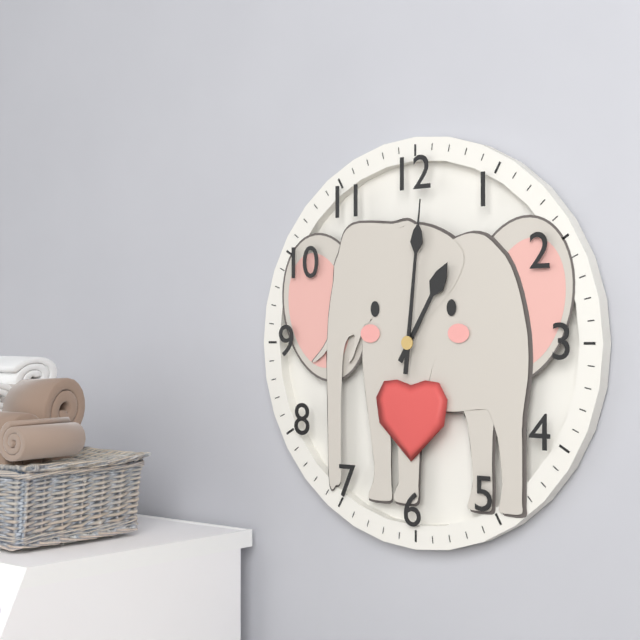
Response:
{"hour": 1, "minute": 1}
